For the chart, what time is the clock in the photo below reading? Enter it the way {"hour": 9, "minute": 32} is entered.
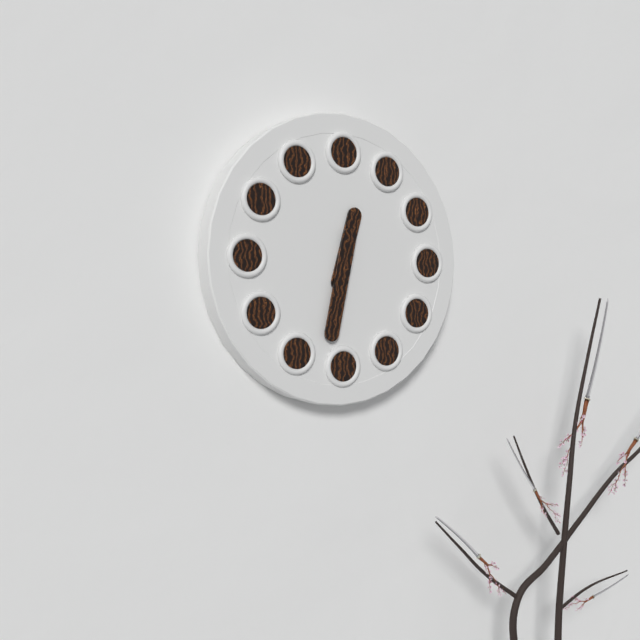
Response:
{"hour": 12, "minute": 32}
